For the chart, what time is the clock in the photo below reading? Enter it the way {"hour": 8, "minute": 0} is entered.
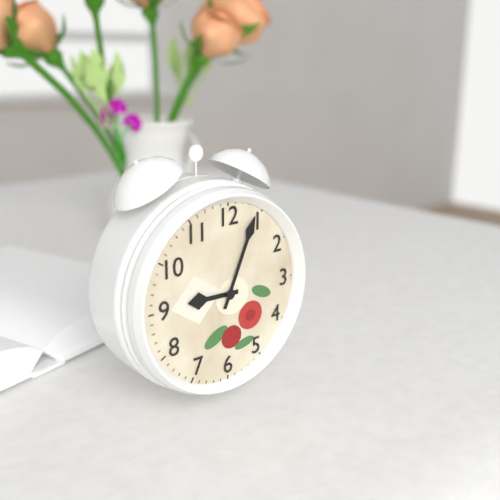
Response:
{"hour": 9, "minute": 4}
